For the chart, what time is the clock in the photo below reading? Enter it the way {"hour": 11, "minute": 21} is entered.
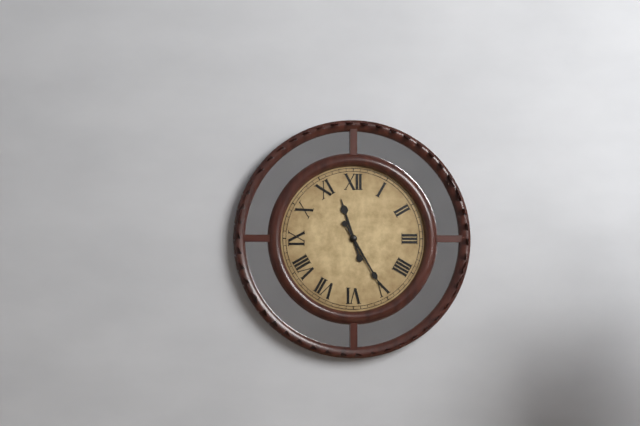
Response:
{"hour": 11, "minute": 25}
